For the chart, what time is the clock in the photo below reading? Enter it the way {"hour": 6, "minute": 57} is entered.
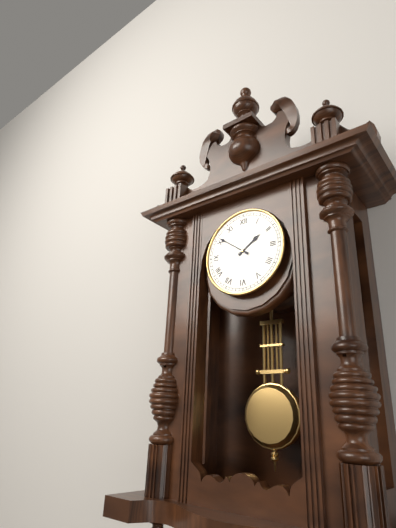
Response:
{"hour": 1, "minute": 51}
